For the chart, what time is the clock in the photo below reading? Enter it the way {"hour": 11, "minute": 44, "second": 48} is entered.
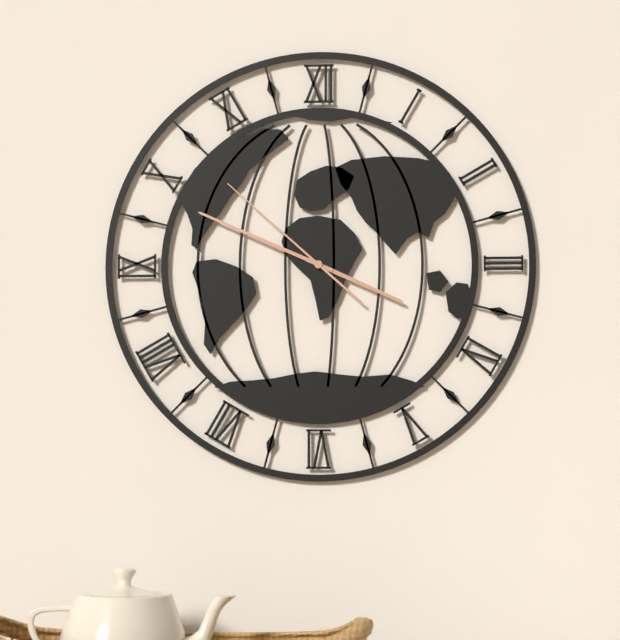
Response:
{"hour": 3, "minute": 49, "second": 52}
